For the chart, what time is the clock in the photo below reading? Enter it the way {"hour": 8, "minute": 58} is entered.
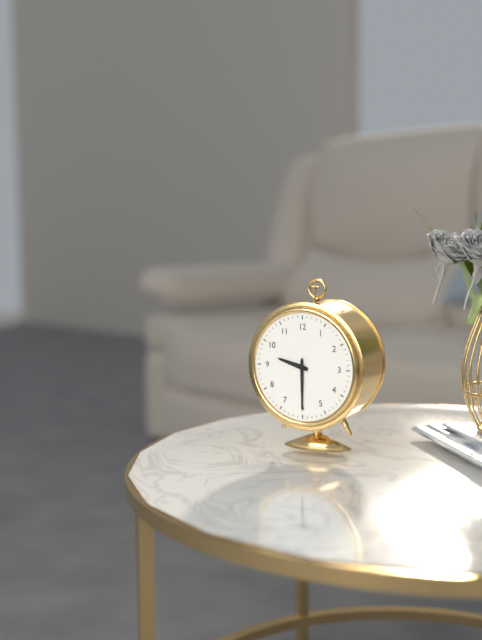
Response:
{"hour": 9, "minute": 30}
